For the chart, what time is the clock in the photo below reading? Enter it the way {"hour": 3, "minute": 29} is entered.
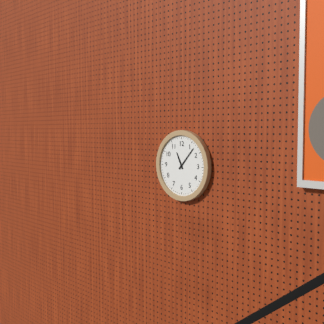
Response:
{"hour": 11, "minute": 7}
